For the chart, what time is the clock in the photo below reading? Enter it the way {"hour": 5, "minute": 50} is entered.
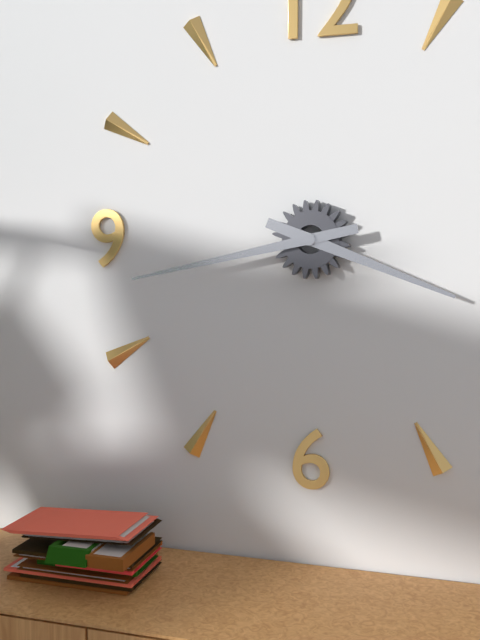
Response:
{"hour": 3, "minute": 43}
